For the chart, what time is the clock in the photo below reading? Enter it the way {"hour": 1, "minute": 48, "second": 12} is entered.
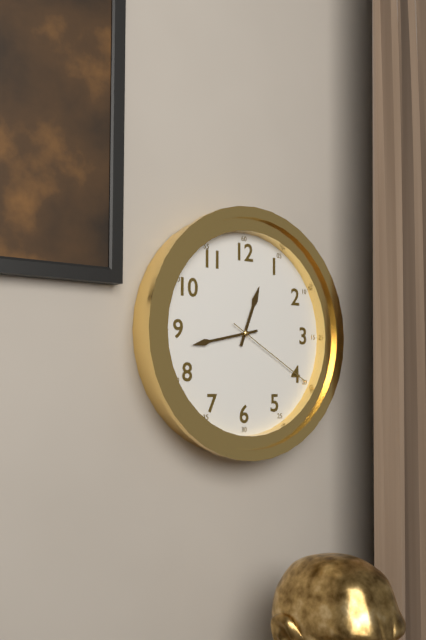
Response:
{"hour": 12, "minute": 43, "second": 20}
